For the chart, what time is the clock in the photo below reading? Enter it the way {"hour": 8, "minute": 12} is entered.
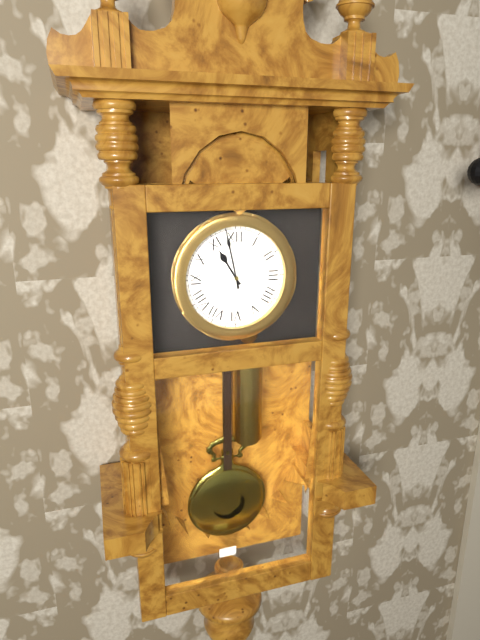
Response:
{"hour": 10, "minute": 58}
